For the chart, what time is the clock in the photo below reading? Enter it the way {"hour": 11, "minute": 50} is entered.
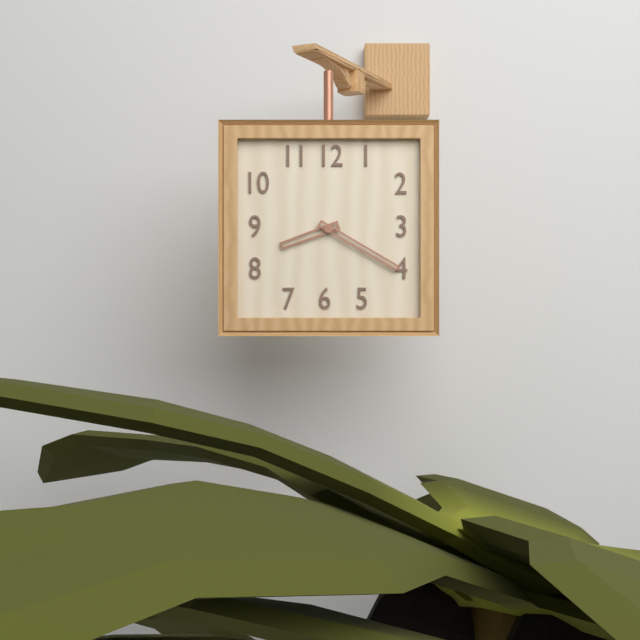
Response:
{"hour": 8, "minute": 20}
